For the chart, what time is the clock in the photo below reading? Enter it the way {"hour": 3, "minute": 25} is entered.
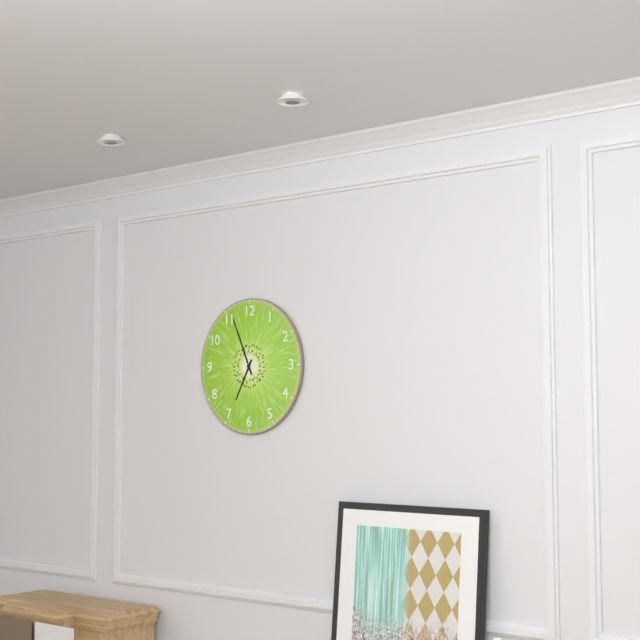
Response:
{"hour": 6, "minute": 56}
